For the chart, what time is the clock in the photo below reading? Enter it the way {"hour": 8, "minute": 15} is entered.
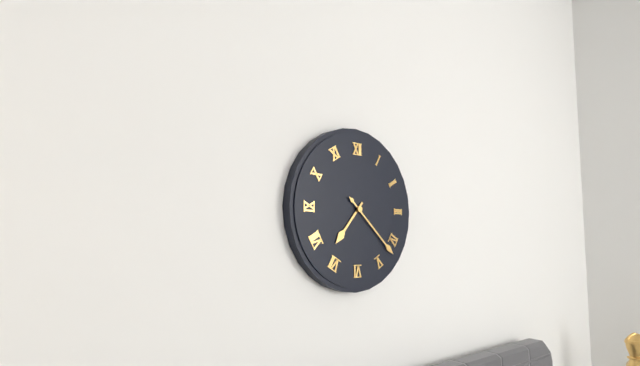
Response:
{"hour": 7, "minute": 22}
